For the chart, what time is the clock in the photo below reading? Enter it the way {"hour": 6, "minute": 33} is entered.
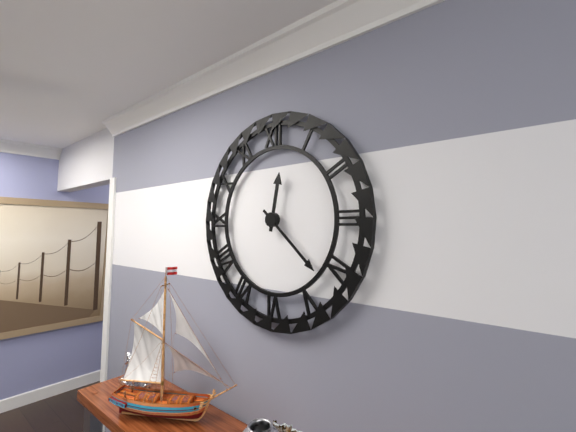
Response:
{"hour": 12, "minute": 22}
